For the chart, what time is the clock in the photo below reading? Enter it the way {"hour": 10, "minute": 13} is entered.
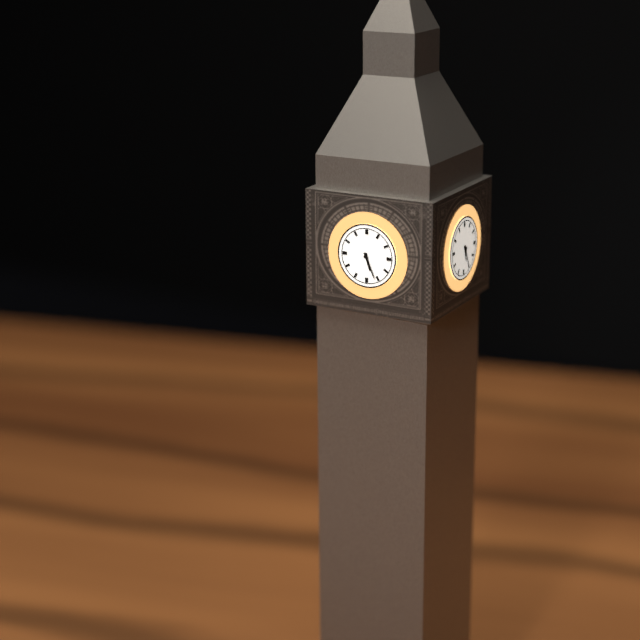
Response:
{"hour": 5, "minute": 26}
